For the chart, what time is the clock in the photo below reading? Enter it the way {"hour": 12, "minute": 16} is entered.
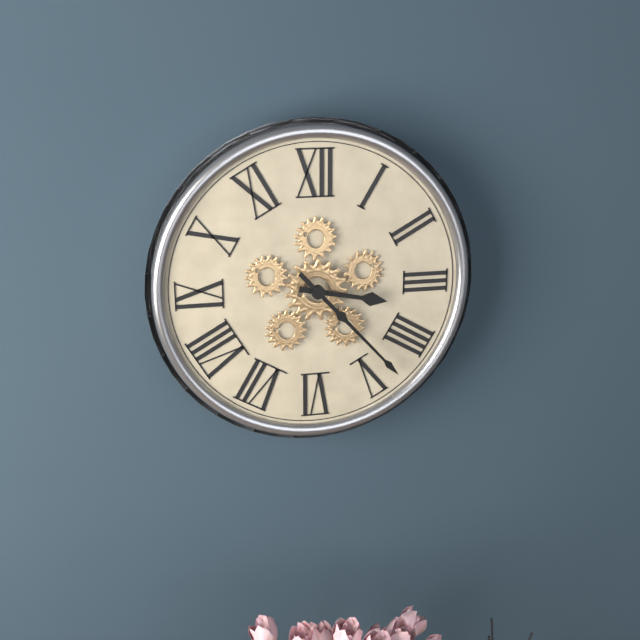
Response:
{"hour": 3, "minute": 23}
